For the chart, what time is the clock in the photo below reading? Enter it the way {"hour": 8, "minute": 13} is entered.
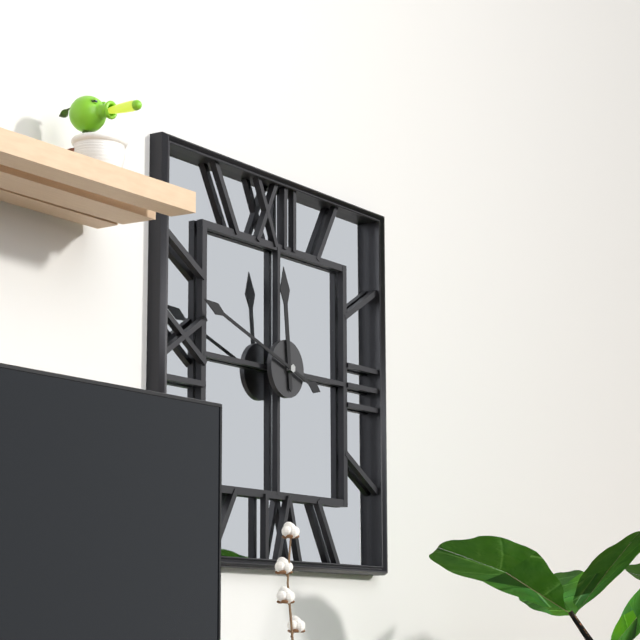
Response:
{"hour": 11, "minute": 48}
